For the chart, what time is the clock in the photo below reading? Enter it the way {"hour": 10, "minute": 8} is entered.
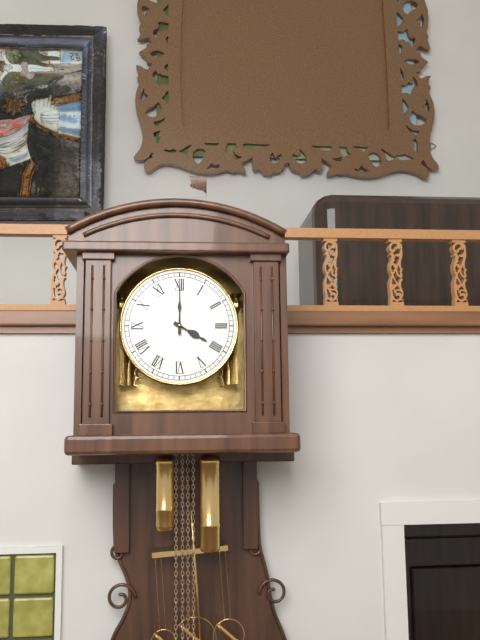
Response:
{"hour": 4, "minute": 0}
